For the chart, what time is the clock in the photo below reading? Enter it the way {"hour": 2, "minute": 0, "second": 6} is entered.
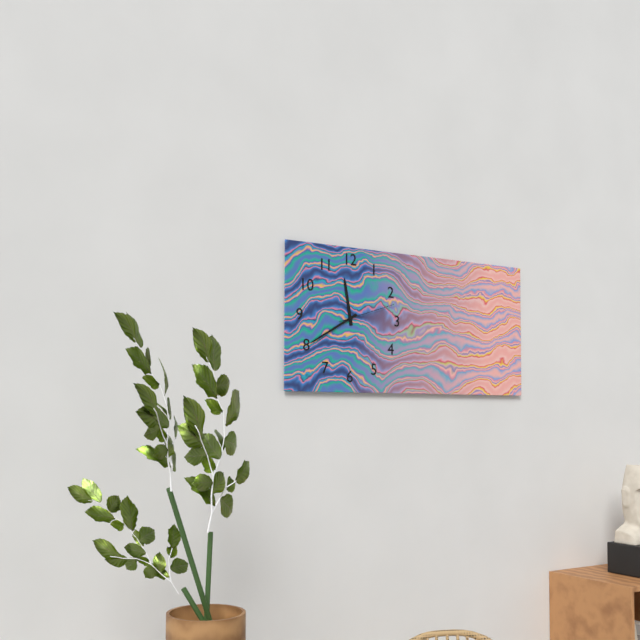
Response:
{"hour": 11, "minute": 40, "second": 12}
